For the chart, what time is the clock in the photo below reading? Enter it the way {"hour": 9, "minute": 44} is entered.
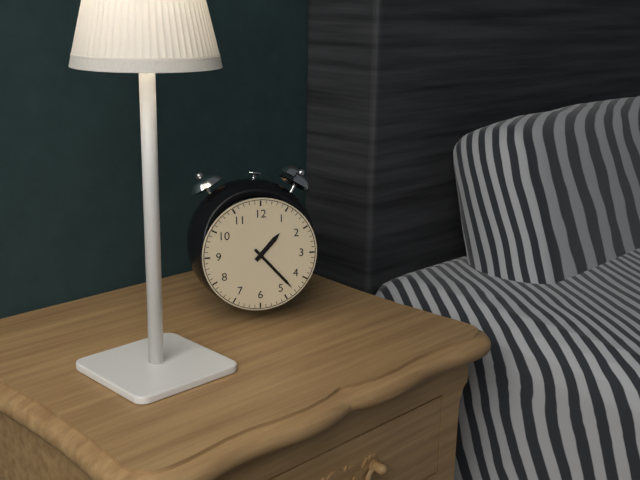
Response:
{"hour": 1, "minute": 23}
